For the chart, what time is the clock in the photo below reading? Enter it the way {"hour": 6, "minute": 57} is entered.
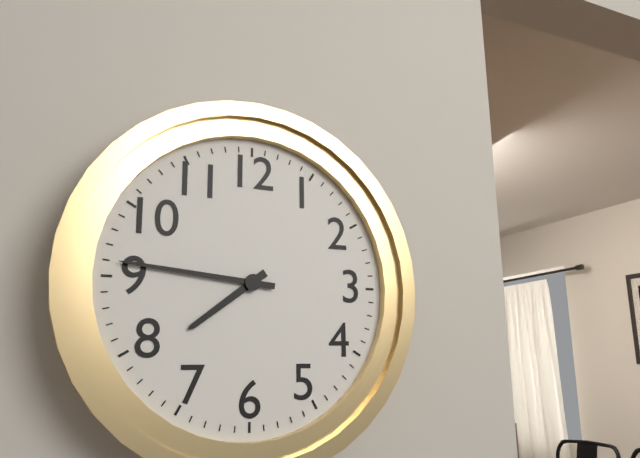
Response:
{"hour": 7, "minute": 46}
